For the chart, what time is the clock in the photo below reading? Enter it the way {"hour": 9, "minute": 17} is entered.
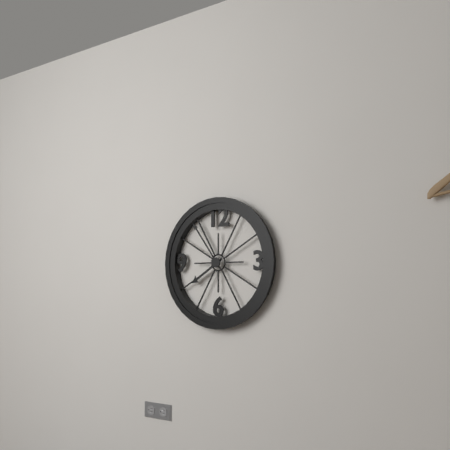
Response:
{"hour": 7, "minute": 54}
